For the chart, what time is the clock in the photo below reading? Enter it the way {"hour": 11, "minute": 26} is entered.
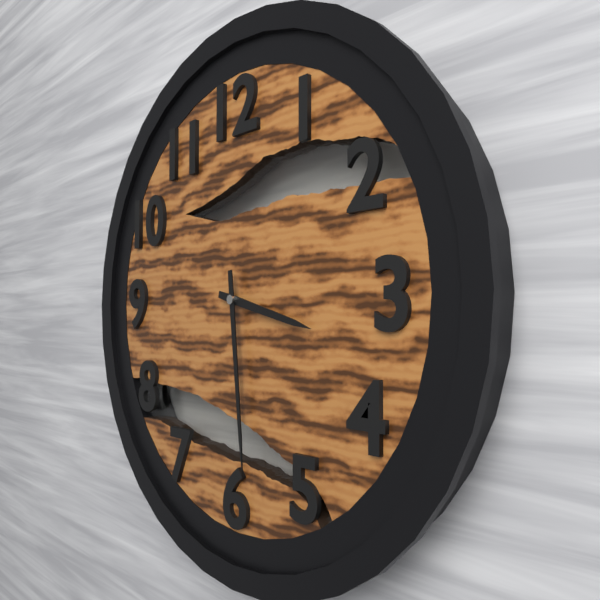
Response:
{"hour": 3, "minute": 29}
